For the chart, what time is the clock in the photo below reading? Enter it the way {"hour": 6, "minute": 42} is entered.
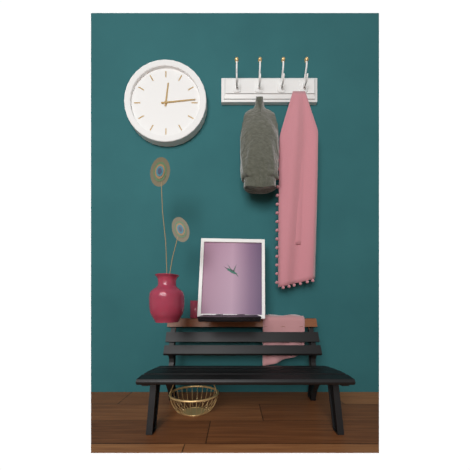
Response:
{"hour": 12, "minute": 14}
